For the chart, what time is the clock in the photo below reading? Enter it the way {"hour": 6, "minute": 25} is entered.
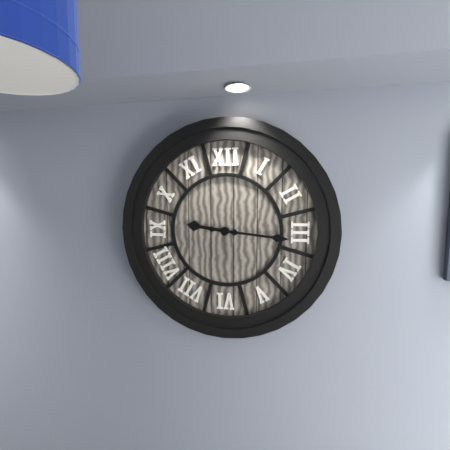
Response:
{"hour": 9, "minute": 16}
